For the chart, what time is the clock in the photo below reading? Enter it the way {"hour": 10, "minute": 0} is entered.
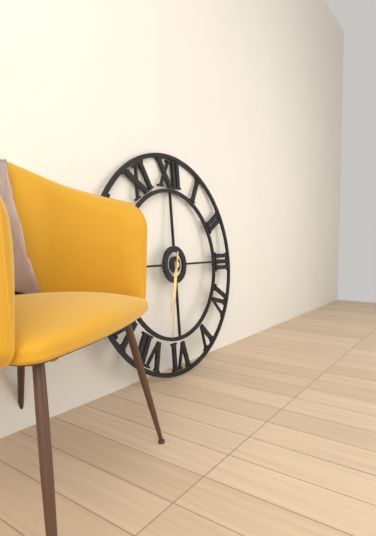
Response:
{"hour": 6, "minute": 32}
